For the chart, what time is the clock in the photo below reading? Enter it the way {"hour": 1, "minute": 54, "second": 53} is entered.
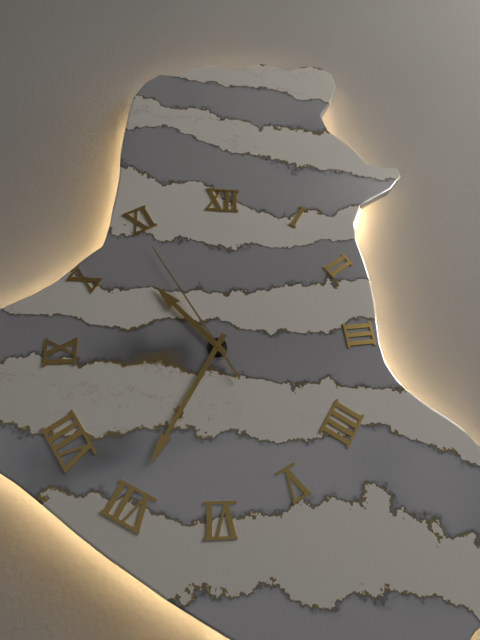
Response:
{"hour": 10, "minute": 35, "second": 55}
